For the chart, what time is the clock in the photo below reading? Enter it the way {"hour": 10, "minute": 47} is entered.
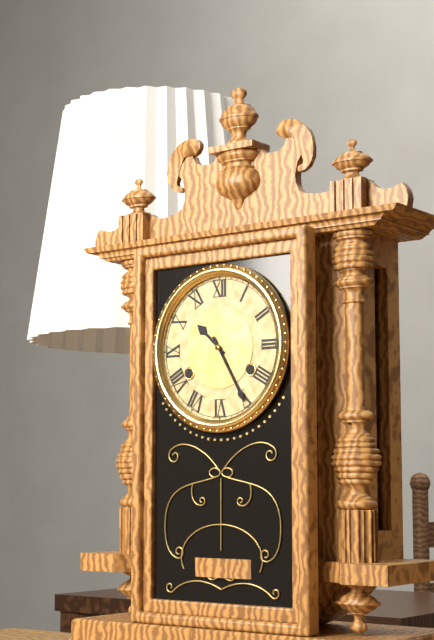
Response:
{"hour": 10, "minute": 25}
